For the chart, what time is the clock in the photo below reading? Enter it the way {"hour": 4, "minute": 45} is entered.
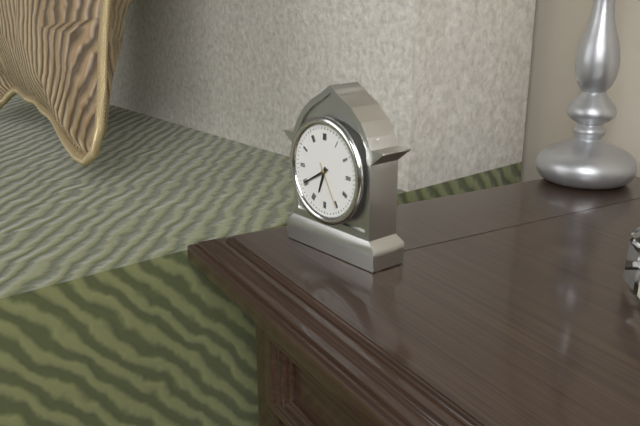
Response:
{"hour": 6, "minute": 40}
